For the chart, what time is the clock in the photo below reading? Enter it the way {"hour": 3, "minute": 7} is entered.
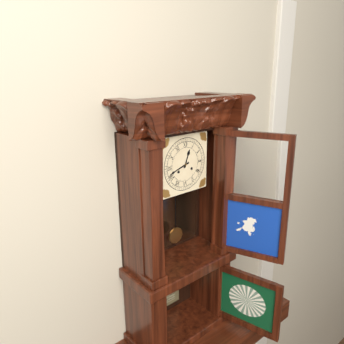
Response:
{"hour": 12, "minute": 42}
